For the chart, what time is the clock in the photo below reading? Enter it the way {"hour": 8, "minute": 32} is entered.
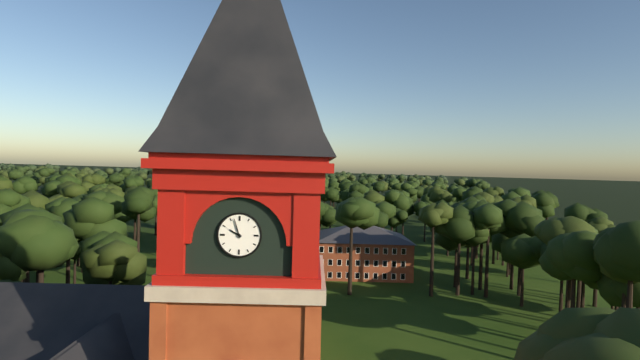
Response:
{"hour": 9, "minute": 57}
